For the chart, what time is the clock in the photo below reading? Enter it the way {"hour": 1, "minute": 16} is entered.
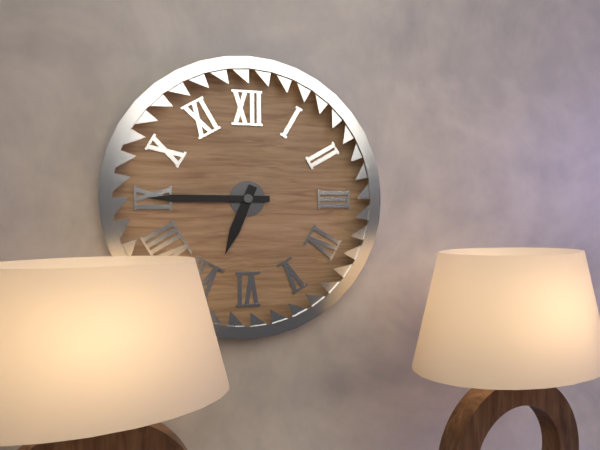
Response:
{"hour": 6, "minute": 45}
